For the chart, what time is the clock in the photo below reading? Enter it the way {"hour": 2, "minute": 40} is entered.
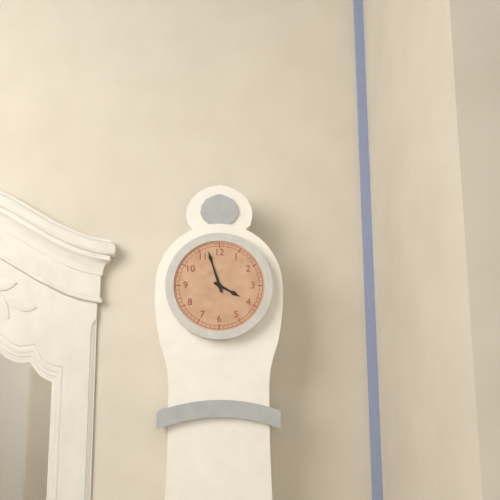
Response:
{"hour": 3, "minute": 57}
